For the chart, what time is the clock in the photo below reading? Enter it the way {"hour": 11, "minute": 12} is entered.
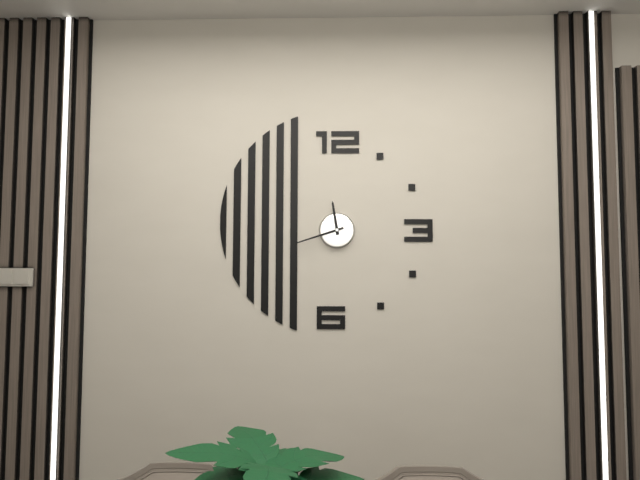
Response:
{"hour": 11, "minute": 42}
